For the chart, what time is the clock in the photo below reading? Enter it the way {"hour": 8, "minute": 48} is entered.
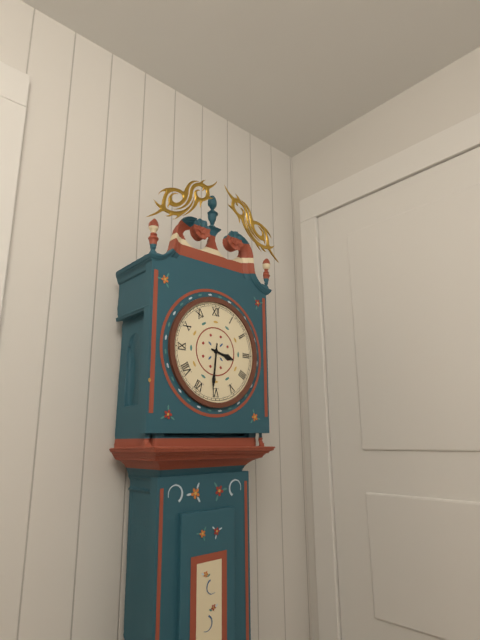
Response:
{"hour": 3, "minute": 31}
